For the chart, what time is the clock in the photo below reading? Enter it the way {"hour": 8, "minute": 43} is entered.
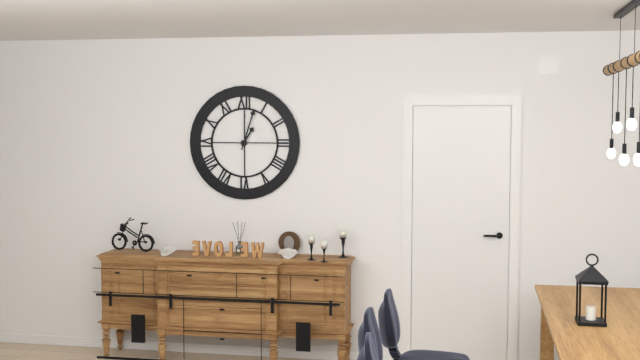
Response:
{"hour": 1, "minute": 3}
